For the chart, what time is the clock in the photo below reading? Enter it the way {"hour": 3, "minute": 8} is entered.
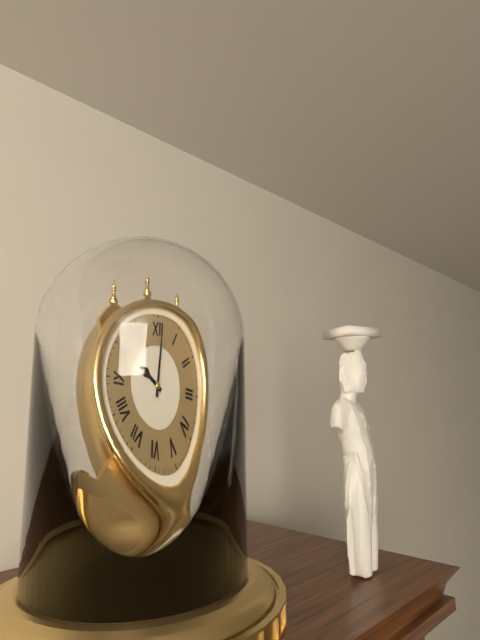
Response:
{"hour": 10, "minute": 1}
